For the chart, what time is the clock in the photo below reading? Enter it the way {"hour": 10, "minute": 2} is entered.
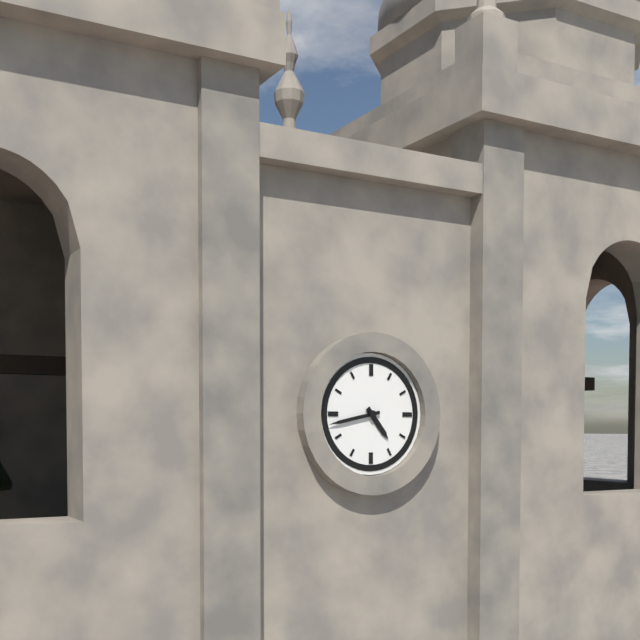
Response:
{"hour": 4, "minute": 43}
